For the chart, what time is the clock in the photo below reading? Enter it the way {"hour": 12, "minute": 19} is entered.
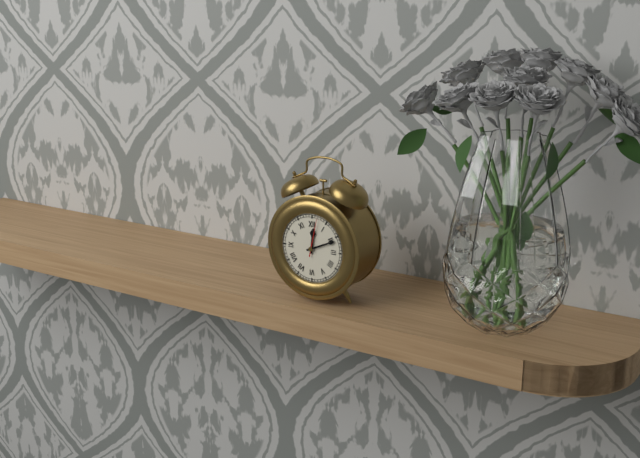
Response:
{"hour": 12, "minute": 11}
